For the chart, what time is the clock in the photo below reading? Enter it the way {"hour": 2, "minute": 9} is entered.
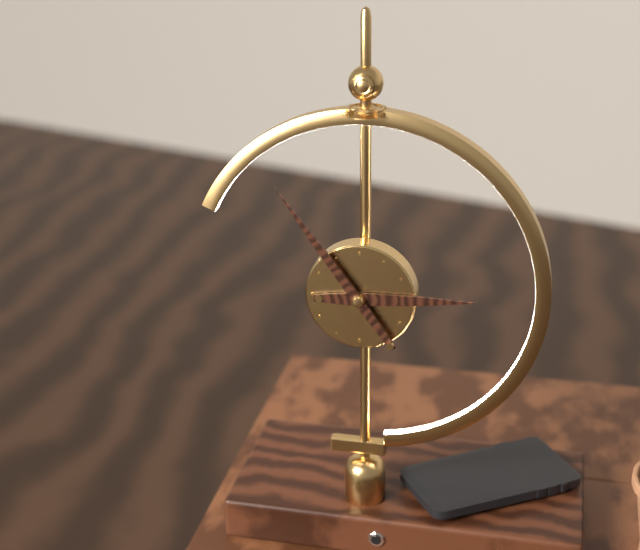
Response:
{"hour": 2, "minute": 54}
